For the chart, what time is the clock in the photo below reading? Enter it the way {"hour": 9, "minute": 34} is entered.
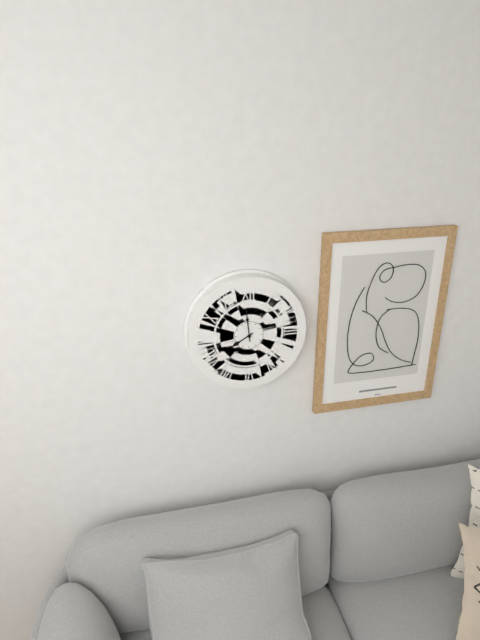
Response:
{"hour": 7, "minute": 59}
